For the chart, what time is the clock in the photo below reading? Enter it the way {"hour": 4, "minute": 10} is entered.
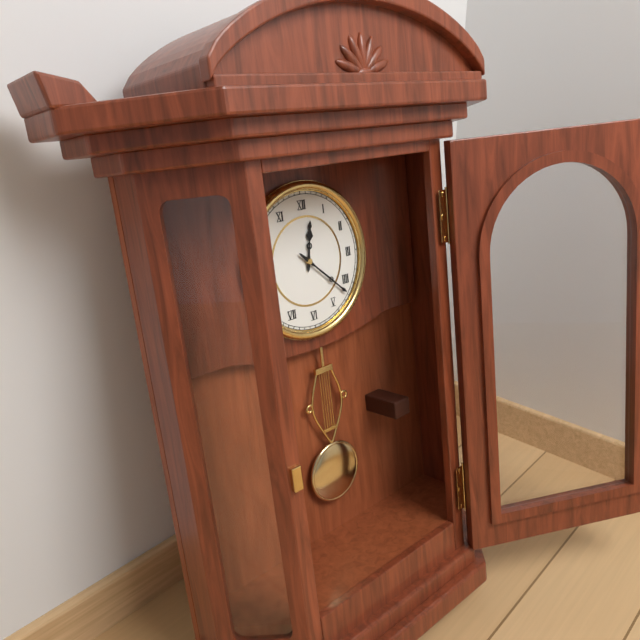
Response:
{"hour": 12, "minute": 22}
